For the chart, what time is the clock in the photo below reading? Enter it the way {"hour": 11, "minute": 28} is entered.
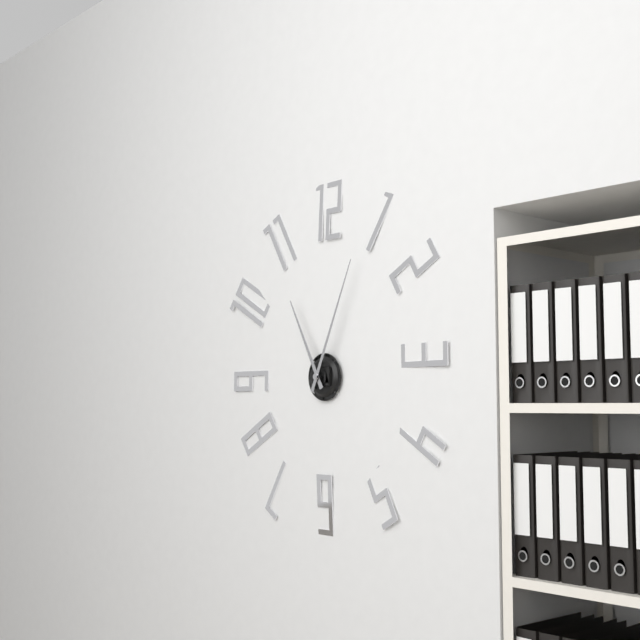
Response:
{"hour": 11, "minute": 4}
